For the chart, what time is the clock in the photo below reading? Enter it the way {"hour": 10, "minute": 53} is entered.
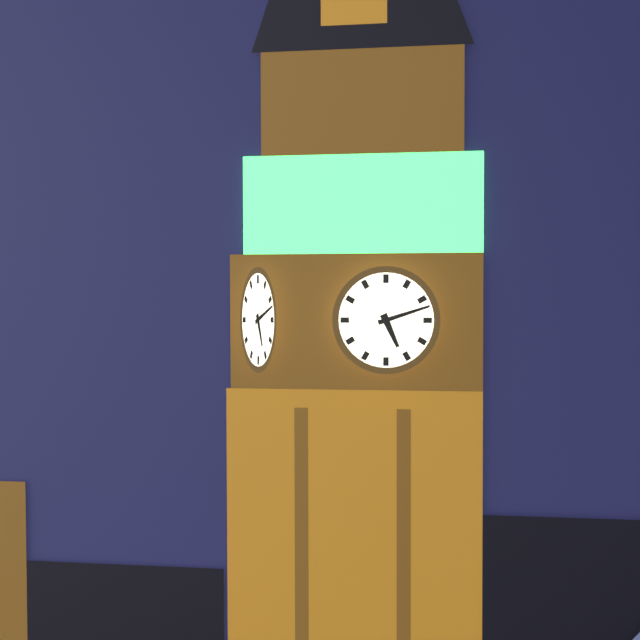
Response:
{"hour": 5, "minute": 12}
